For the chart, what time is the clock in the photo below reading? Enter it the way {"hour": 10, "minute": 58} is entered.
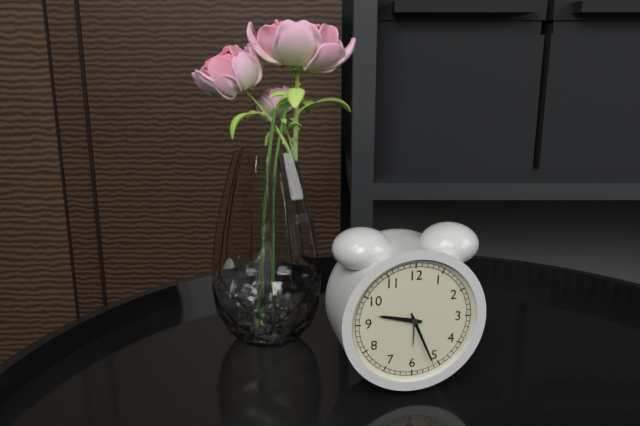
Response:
{"hour": 9, "minute": 26}
